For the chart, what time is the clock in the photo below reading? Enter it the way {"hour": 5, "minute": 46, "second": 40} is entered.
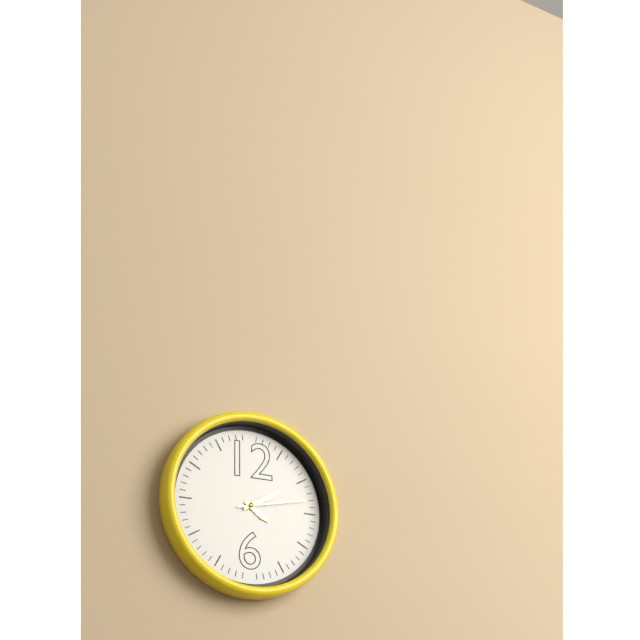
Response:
{"hour": 4, "minute": 10, "second": 13}
